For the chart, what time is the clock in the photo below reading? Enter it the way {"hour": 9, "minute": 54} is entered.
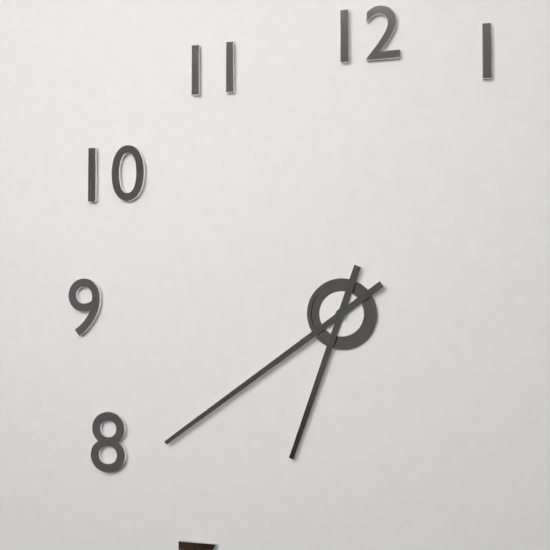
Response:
{"hour": 6, "minute": 39}
